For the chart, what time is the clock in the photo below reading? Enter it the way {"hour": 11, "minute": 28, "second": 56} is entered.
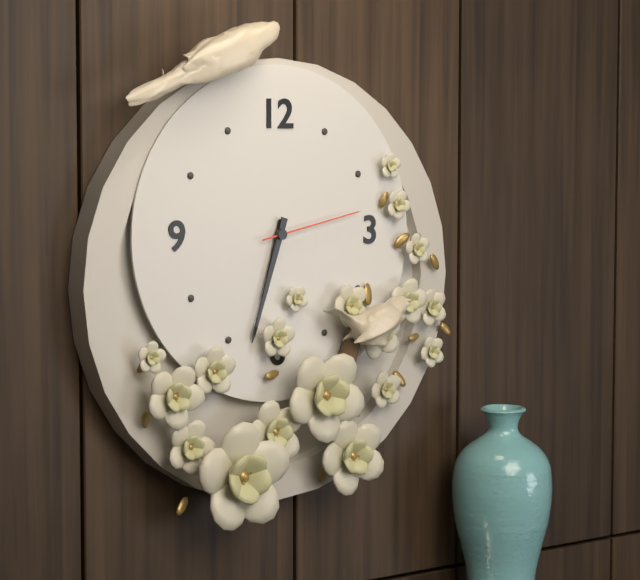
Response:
{"hour": 6, "minute": 33, "second": 13}
